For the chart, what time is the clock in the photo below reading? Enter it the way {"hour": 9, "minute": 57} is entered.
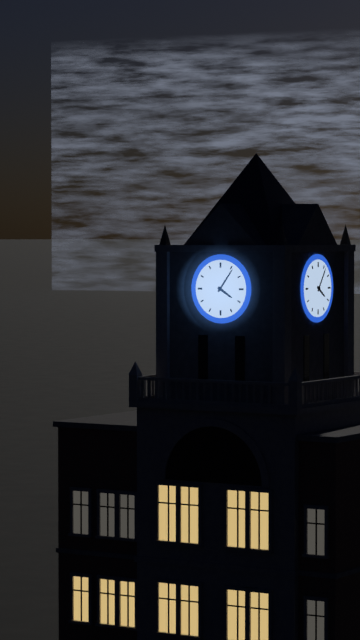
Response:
{"hour": 4, "minute": 6}
